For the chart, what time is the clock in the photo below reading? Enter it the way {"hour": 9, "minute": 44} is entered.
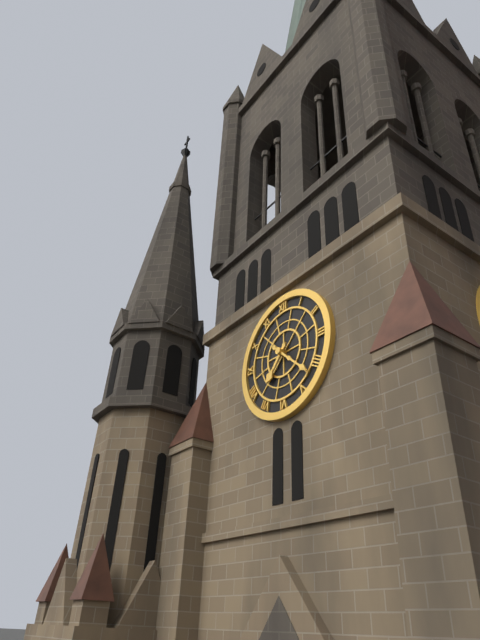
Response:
{"hour": 7, "minute": 22}
